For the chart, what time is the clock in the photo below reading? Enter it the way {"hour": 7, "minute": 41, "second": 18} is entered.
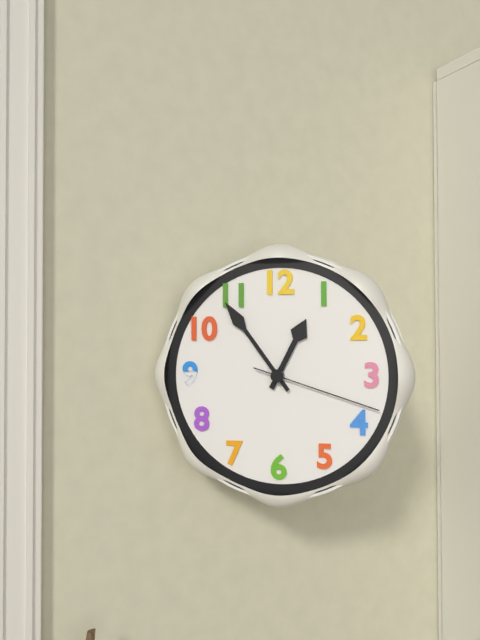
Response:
{"hour": 12, "minute": 54, "second": 18}
